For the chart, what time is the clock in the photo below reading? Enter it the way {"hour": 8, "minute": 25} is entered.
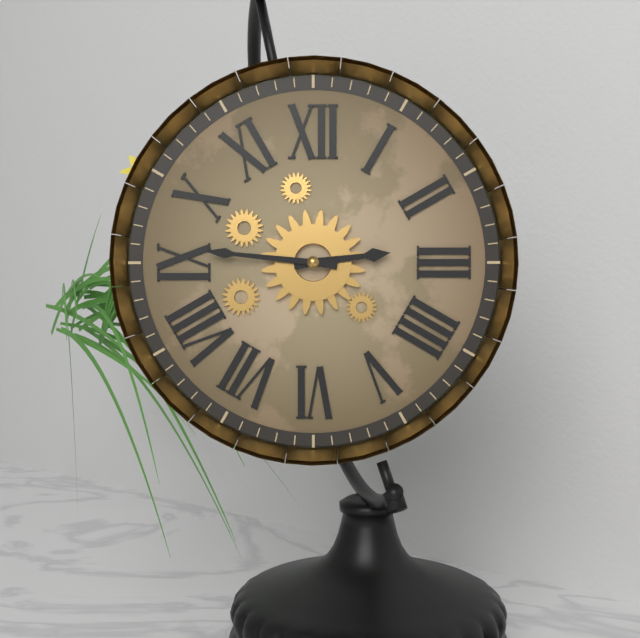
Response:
{"hour": 2, "minute": 46}
